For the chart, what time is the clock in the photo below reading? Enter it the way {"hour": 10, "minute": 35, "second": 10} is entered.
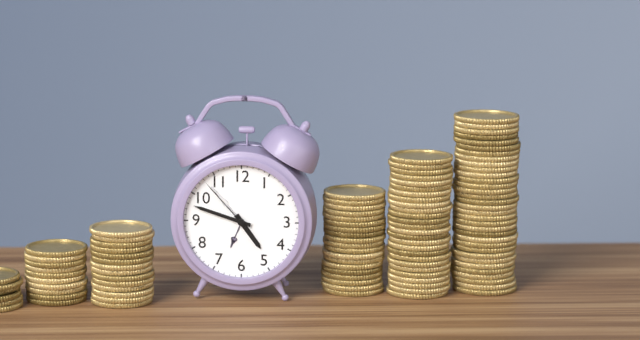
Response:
{"hour": 4, "minute": 48, "second": 53}
